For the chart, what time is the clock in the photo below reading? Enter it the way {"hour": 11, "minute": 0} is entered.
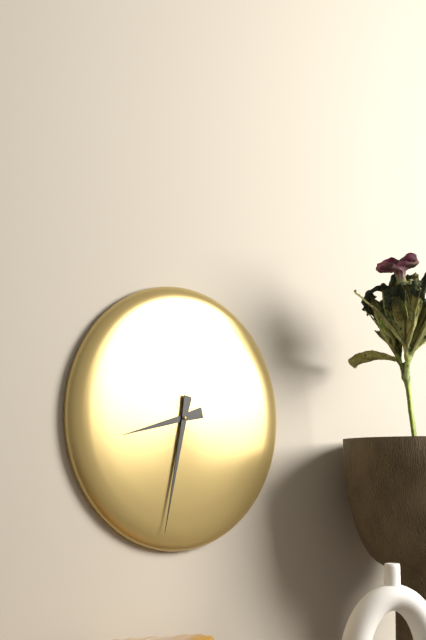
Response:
{"hour": 8, "minute": 32}
